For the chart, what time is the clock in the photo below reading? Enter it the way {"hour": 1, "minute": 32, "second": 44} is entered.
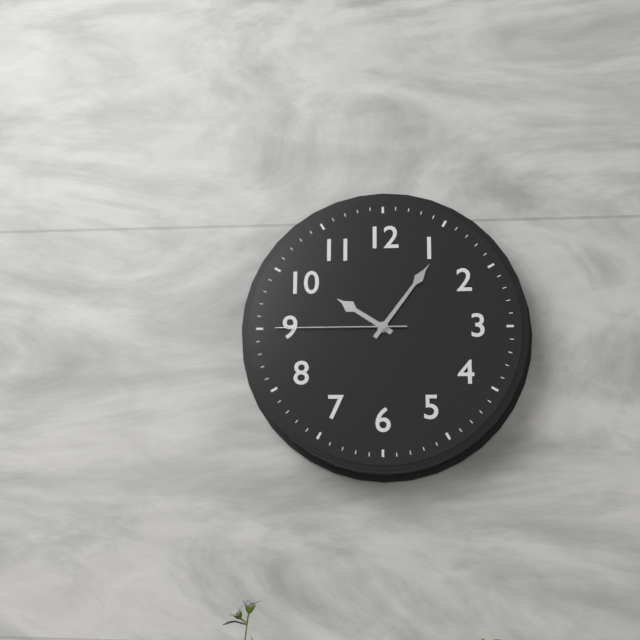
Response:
{"hour": 10, "minute": 6, "second": 45}
